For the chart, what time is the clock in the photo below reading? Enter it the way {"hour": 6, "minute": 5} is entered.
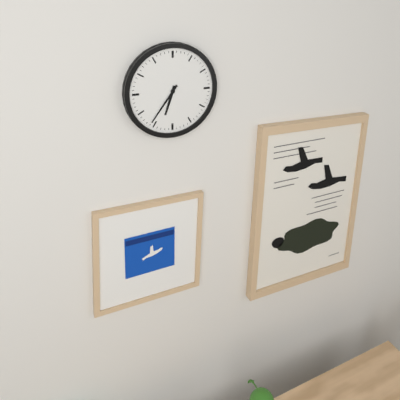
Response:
{"hour": 6, "minute": 36}
